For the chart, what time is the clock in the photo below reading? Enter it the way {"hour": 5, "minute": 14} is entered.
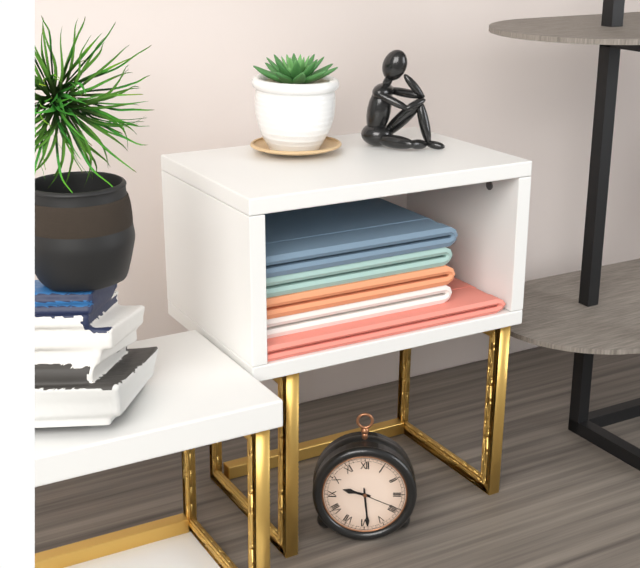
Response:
{"hour": 9, "minute": 29}
